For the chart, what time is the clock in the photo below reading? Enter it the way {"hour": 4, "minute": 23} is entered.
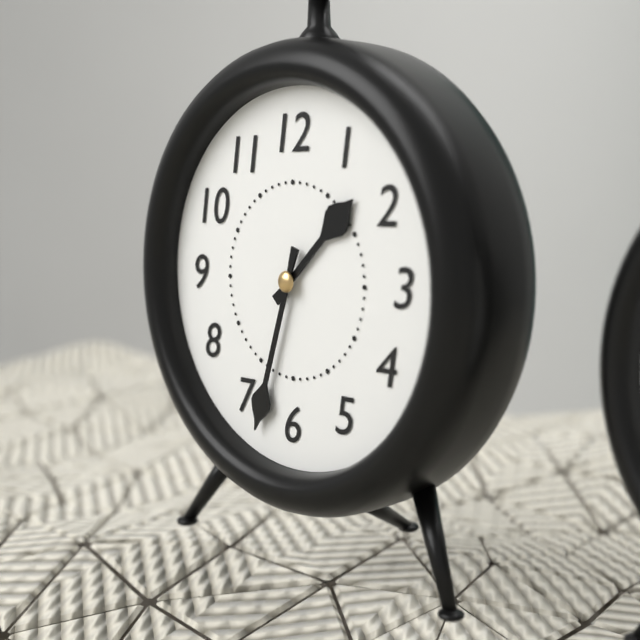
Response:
{"hour": 1, "minute": 33}
